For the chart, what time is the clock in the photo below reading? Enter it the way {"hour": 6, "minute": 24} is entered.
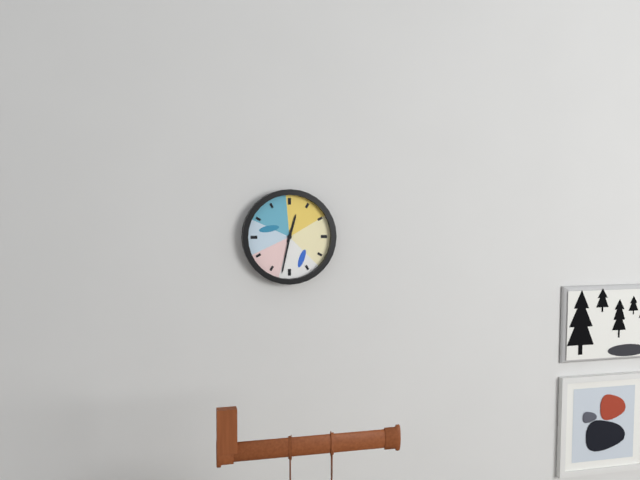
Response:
{"hour": 12, "minute": 32}
